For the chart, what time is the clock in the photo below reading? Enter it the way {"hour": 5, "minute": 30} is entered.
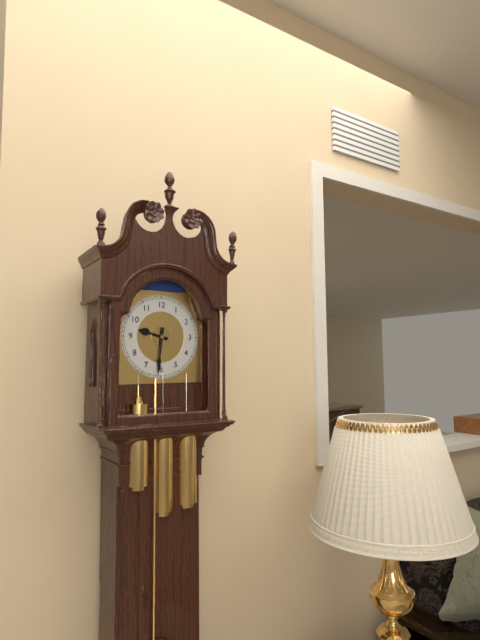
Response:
{"hour": 9, "minute": 31}
